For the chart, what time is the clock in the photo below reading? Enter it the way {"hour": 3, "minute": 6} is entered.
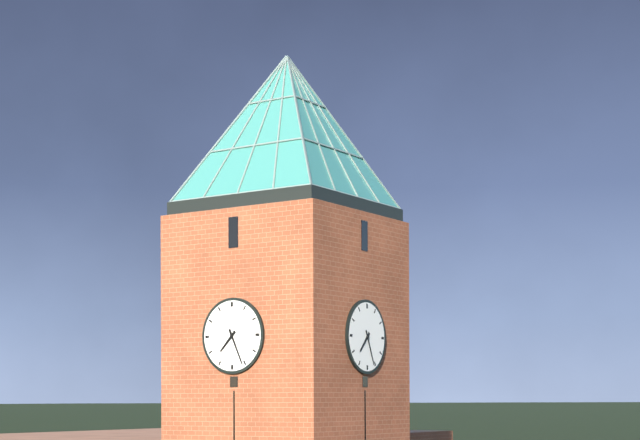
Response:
{"hour": 7, "minute": 26}
